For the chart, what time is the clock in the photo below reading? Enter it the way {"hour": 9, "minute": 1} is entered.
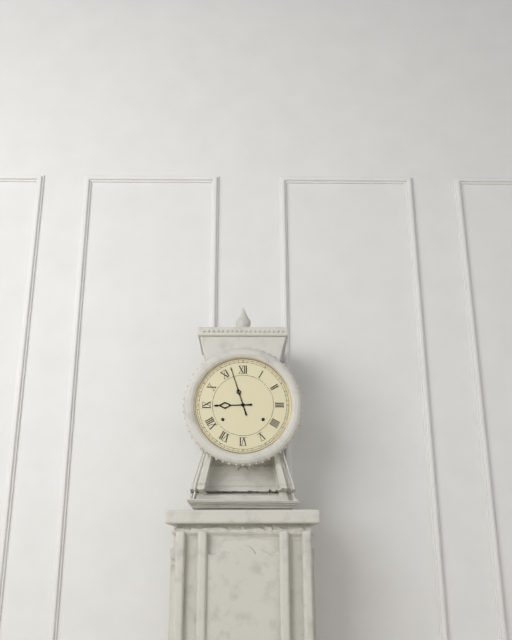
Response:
{"hour": 8, "minute": 57}
